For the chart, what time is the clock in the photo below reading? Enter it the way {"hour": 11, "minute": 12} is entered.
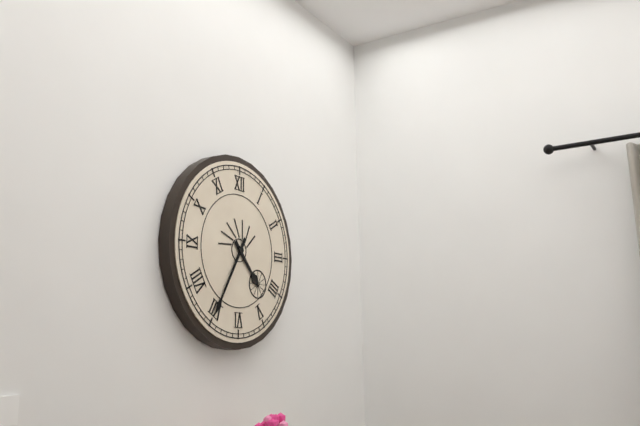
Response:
{"hour": 4, "minute": 35}
